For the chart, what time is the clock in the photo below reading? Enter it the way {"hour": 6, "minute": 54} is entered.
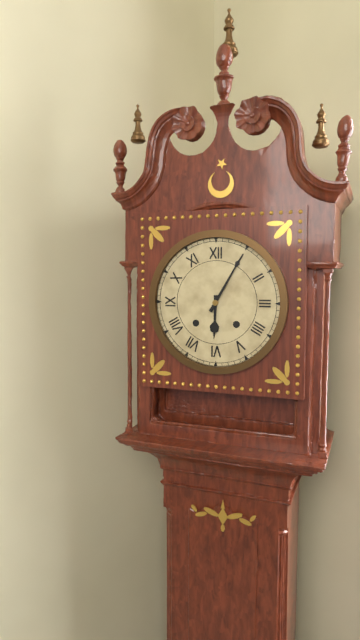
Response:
{"hour": 6, "minute": 5}
